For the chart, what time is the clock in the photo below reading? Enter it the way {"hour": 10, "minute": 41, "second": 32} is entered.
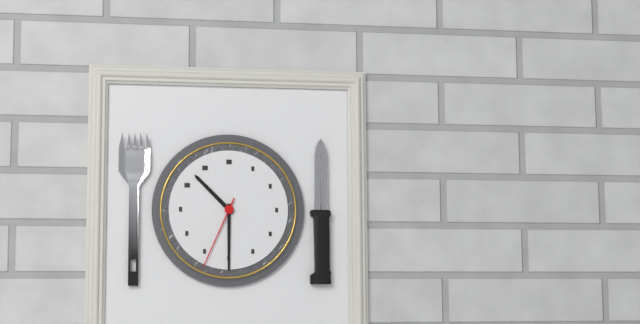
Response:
{"hour": 10, "minute": 30, "second": 34}
